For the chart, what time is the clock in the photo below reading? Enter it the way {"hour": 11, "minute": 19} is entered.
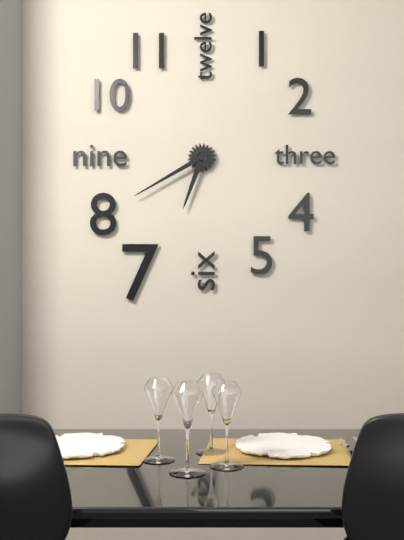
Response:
{"hour": 6, "minute": 40}
